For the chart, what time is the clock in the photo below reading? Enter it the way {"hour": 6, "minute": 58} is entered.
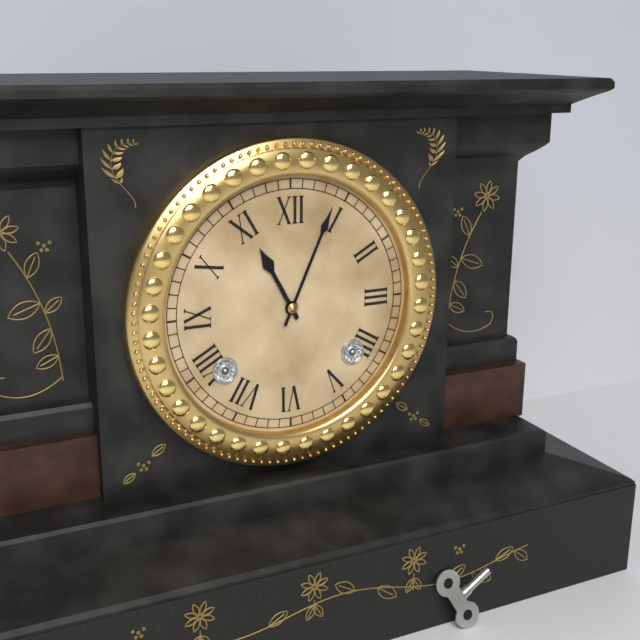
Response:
{"hour": 11, "minute": 4}
